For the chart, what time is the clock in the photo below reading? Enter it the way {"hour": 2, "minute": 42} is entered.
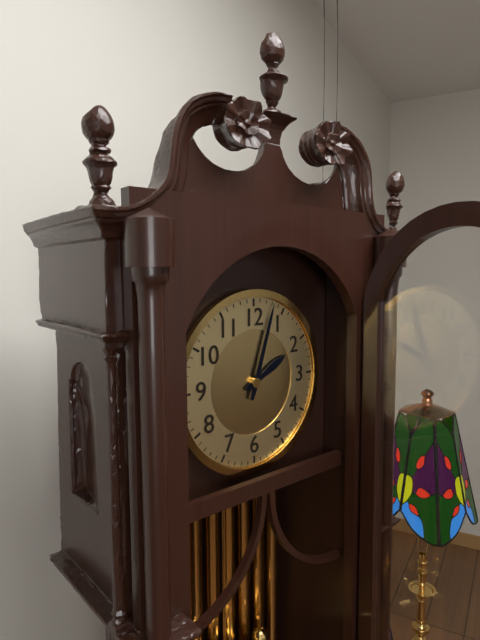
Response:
{"hour": 2, "minute": 3}
